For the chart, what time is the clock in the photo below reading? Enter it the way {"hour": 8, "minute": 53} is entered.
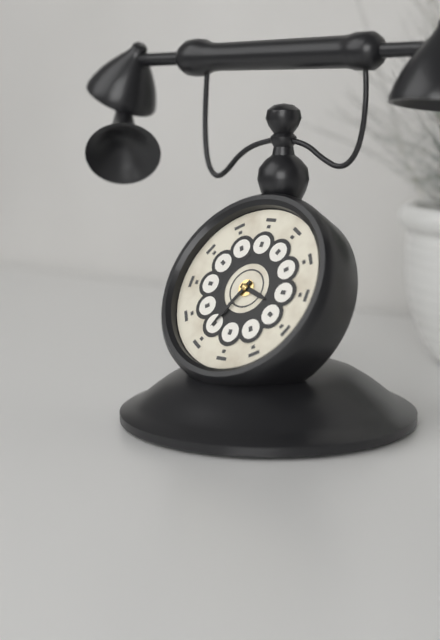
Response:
{"hour": 3, "minute": 35}
